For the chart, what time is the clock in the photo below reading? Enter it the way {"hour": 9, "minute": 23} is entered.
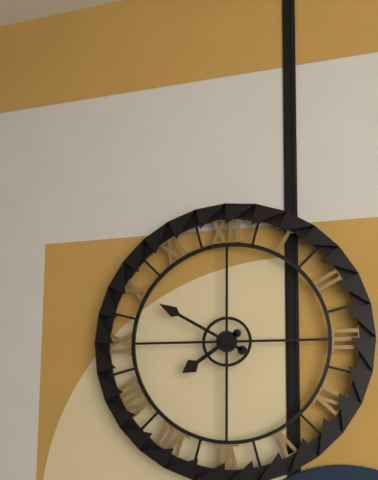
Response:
{"hour": 7, "minute": 50}
